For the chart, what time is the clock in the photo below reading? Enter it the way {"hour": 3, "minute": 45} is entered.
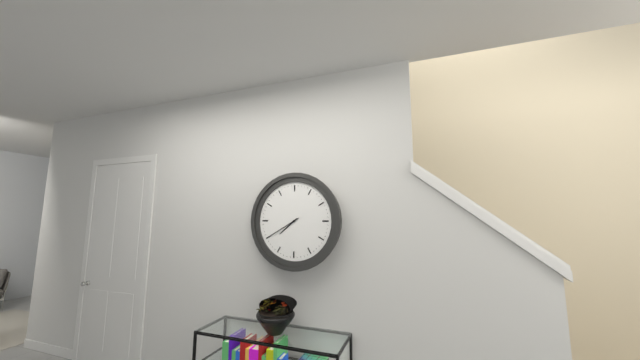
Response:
{"hour": 7, "minute": 40}
